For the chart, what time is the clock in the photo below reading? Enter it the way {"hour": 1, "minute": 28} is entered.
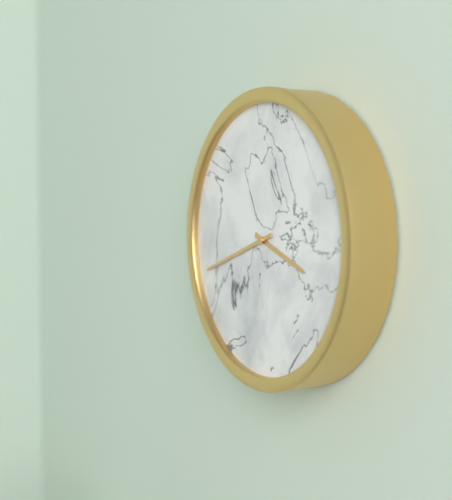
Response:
{"hour": 3, "minute": 42}
